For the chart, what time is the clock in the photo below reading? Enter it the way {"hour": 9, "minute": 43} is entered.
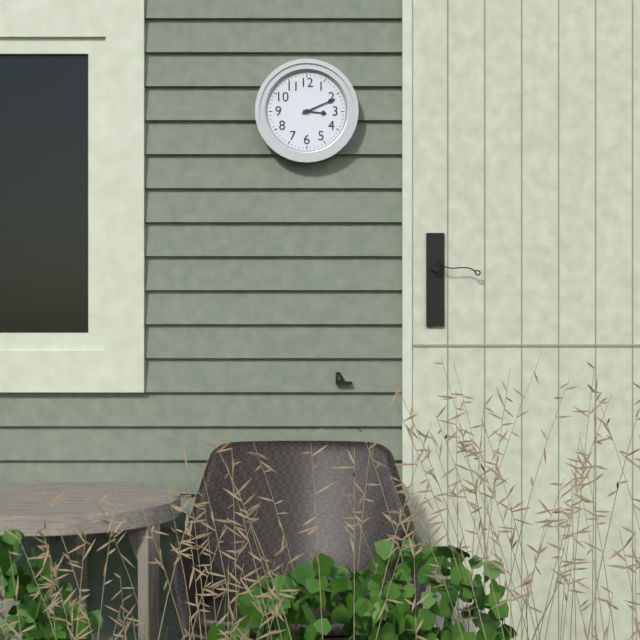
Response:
{"hour": 3, "minute": 11}
